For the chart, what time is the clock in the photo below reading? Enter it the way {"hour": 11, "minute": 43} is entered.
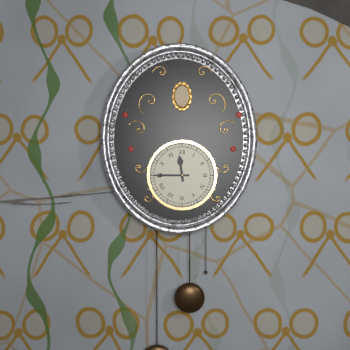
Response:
{"hour": 11, "minute": 45}
